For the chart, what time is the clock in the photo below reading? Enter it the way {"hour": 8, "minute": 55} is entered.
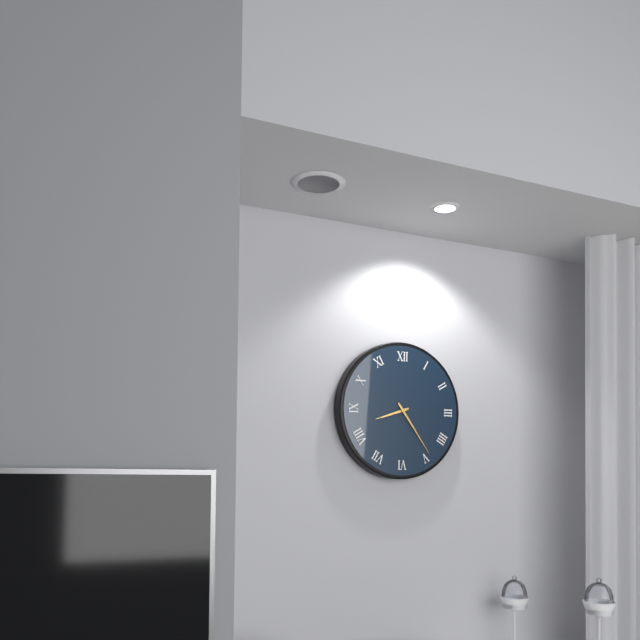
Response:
{"hour": 8, "minute": 24}
